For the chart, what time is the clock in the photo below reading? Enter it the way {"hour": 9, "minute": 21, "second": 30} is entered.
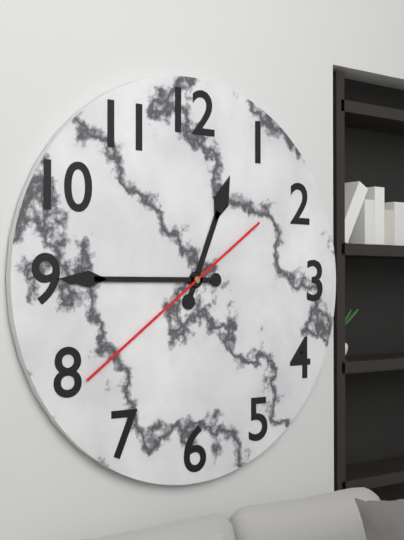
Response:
{"hour": 12, "minute": 45, "second": 39}
